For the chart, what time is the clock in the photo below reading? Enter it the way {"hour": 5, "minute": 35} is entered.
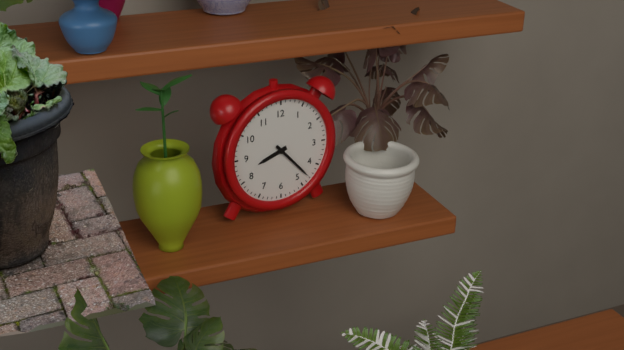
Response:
{"hour": 8, "minute": 23}
